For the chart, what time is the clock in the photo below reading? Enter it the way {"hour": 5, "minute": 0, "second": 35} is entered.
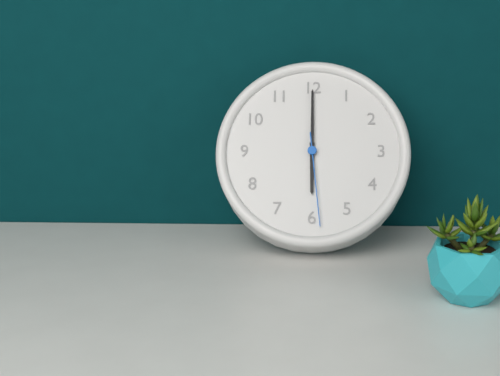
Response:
{"hour": 6, "minute": 0, "second": 29}
